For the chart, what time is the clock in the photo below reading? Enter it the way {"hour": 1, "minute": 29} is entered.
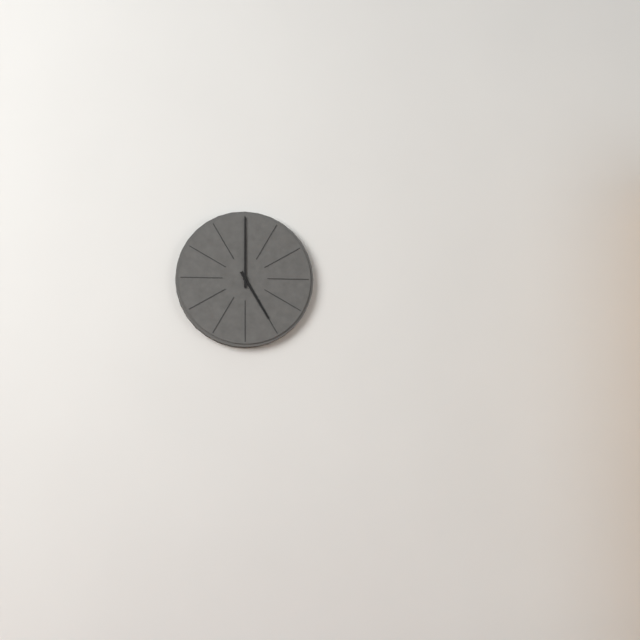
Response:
{"hour": 5, "minute": 0}
